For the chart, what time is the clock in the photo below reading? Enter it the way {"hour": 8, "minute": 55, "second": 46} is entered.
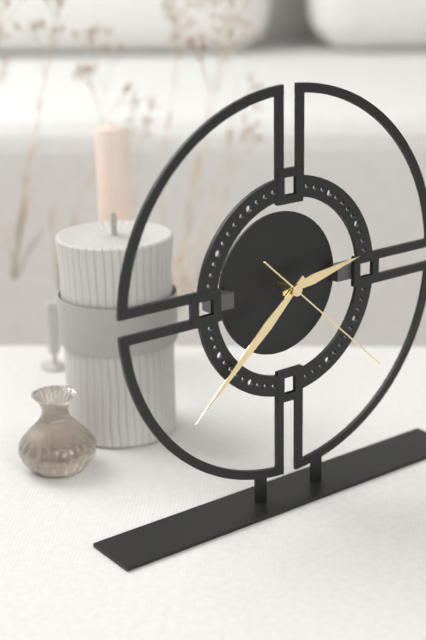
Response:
{"hour": 2, "minute": 38, "second": 22}
